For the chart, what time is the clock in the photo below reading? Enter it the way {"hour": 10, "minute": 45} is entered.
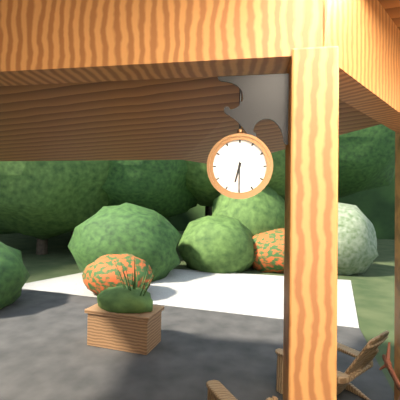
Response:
{"hour": 6, "minute": 30}
